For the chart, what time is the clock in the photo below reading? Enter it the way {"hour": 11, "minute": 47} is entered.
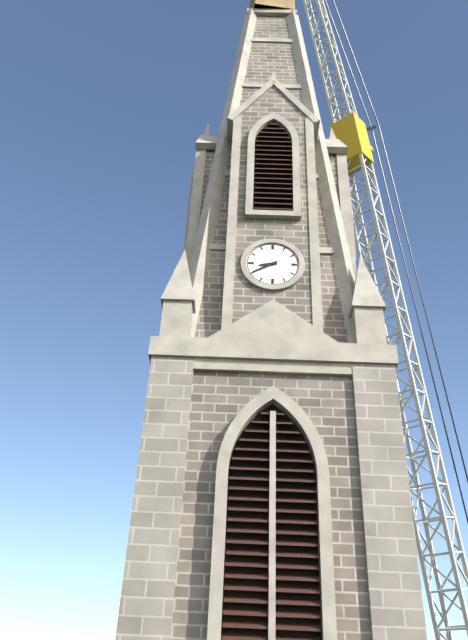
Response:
{"hour": 8, "minute": 40}
